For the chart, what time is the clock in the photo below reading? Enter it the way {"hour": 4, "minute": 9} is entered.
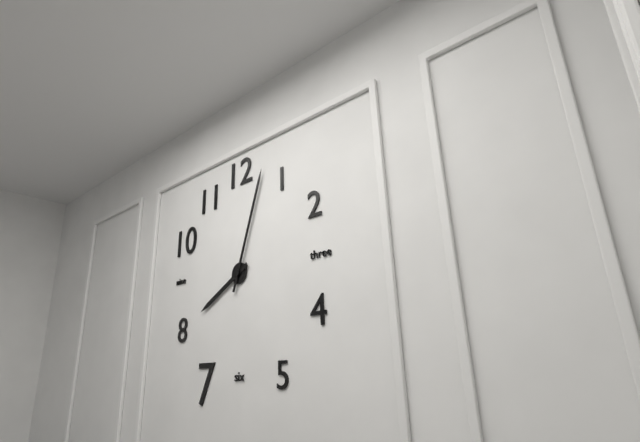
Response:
{"hour": 8, "minute": 3}
